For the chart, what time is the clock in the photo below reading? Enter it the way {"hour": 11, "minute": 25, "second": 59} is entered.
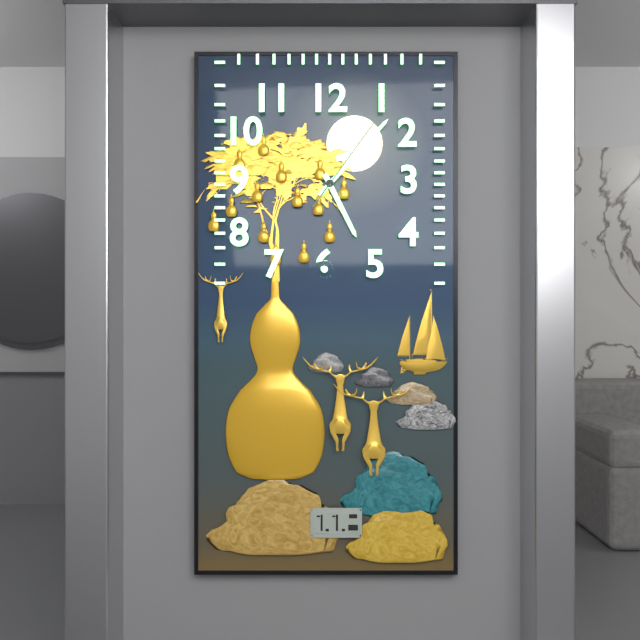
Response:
{"hour": 5, "minute": 7, "second": 6}
